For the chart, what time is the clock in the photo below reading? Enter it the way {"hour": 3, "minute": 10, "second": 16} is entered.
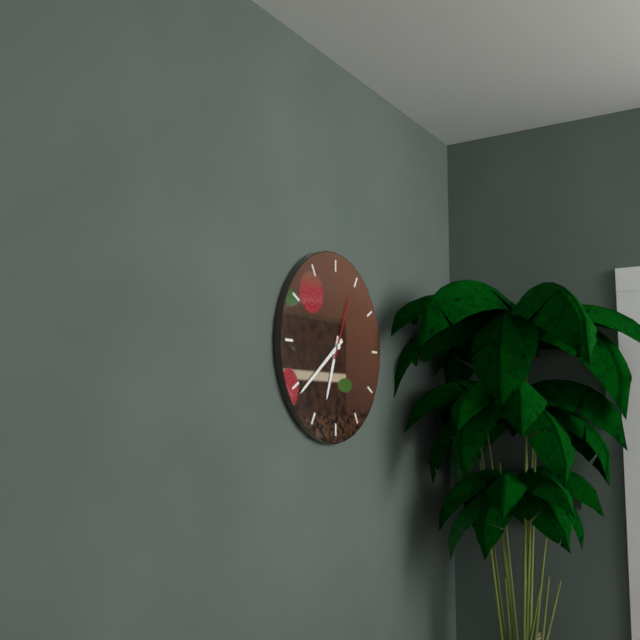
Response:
{"hour": 6, "minute": 39, "second": 4}
